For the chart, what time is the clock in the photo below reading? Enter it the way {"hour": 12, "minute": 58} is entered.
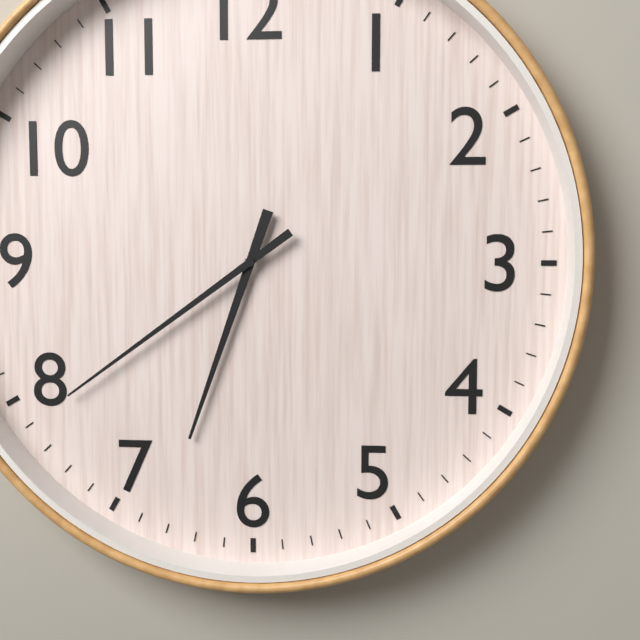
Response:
{"hour": 6, "minute": 39}
